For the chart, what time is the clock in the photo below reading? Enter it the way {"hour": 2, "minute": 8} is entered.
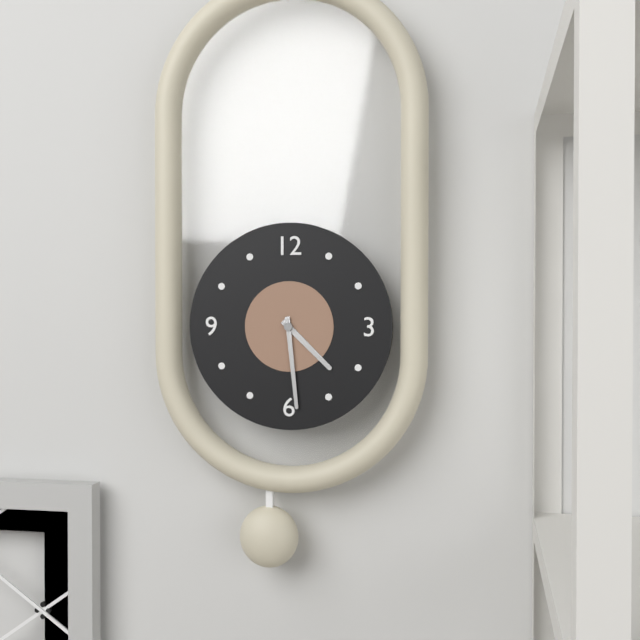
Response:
{"hour": 4, "minute": 29}
